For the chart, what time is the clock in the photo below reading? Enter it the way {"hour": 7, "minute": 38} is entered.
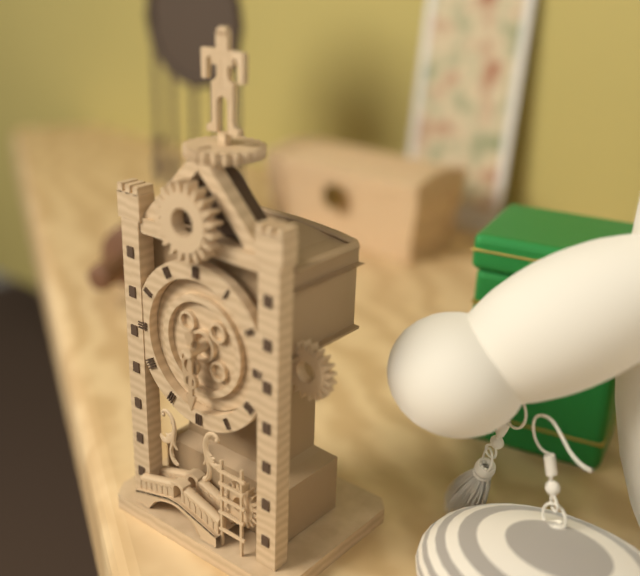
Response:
{"hour": 6, "minute": 30}
